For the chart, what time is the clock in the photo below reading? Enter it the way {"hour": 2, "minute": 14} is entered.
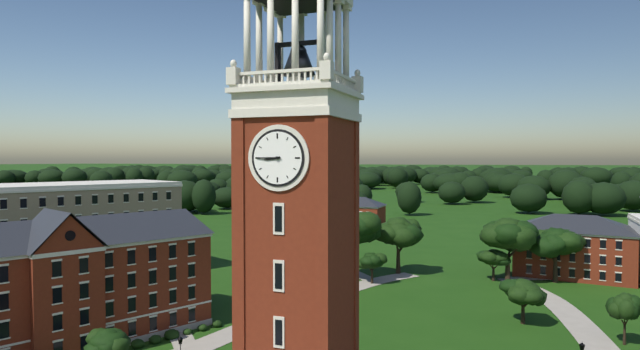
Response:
{"hour": 8, "minute": 45}
